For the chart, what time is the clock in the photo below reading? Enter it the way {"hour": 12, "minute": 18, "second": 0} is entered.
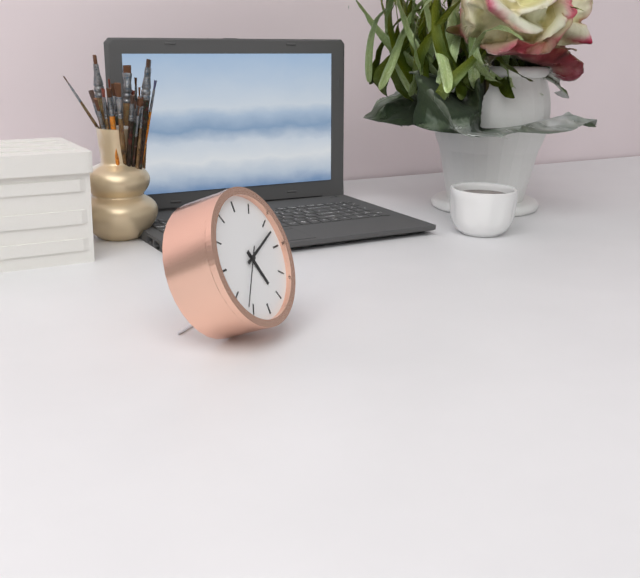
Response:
{"hour": 5, "minute": 12, "second": 37}
